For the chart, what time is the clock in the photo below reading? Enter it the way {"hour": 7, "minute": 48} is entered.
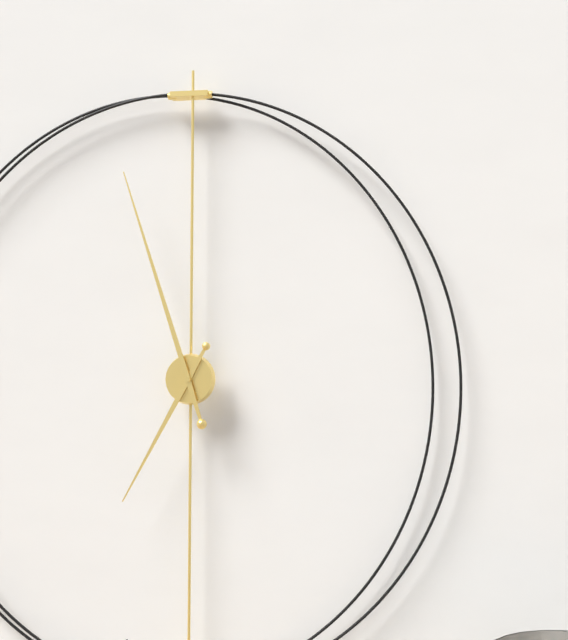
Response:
{"hour": 6, "minute": 57}
